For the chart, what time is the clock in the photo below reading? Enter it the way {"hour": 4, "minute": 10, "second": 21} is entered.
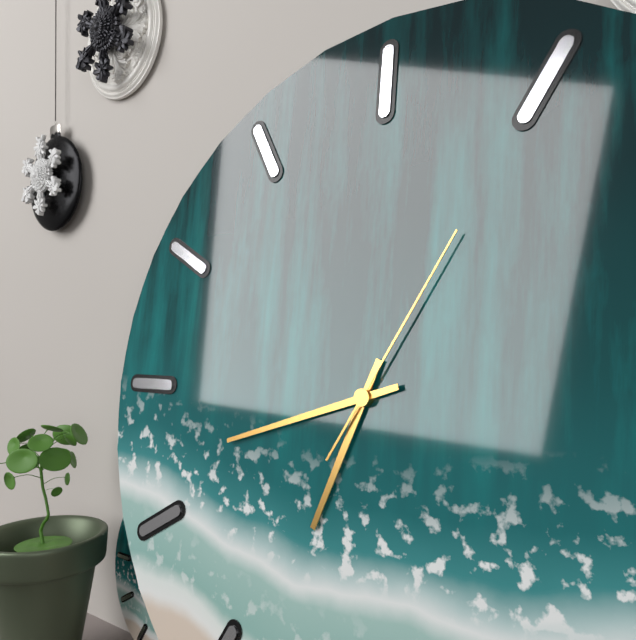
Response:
{"hour": 6, "minute": 42, "second": 5}
